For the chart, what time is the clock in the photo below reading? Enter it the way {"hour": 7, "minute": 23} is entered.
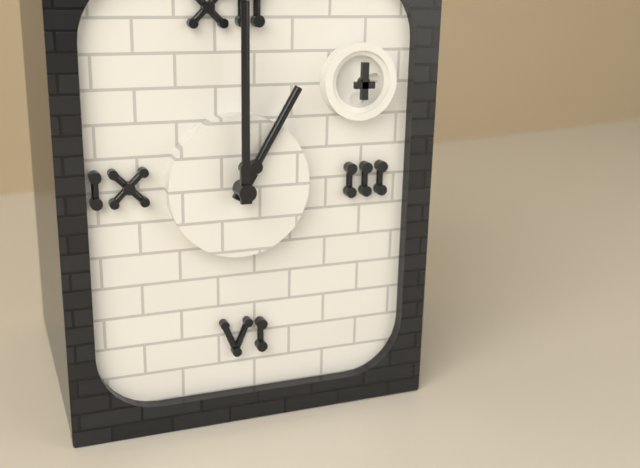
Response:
{"hour": 1, "minute": 0}
